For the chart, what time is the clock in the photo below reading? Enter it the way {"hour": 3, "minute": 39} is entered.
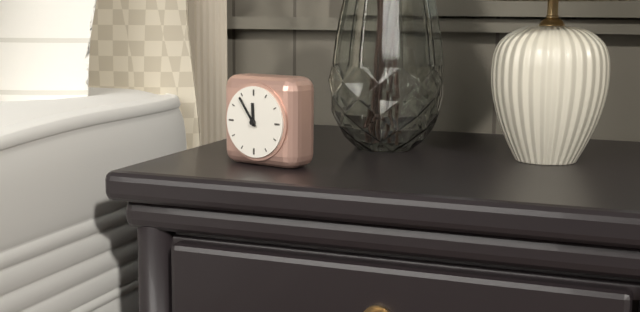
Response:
{"hour": 11, "minute": 54}
